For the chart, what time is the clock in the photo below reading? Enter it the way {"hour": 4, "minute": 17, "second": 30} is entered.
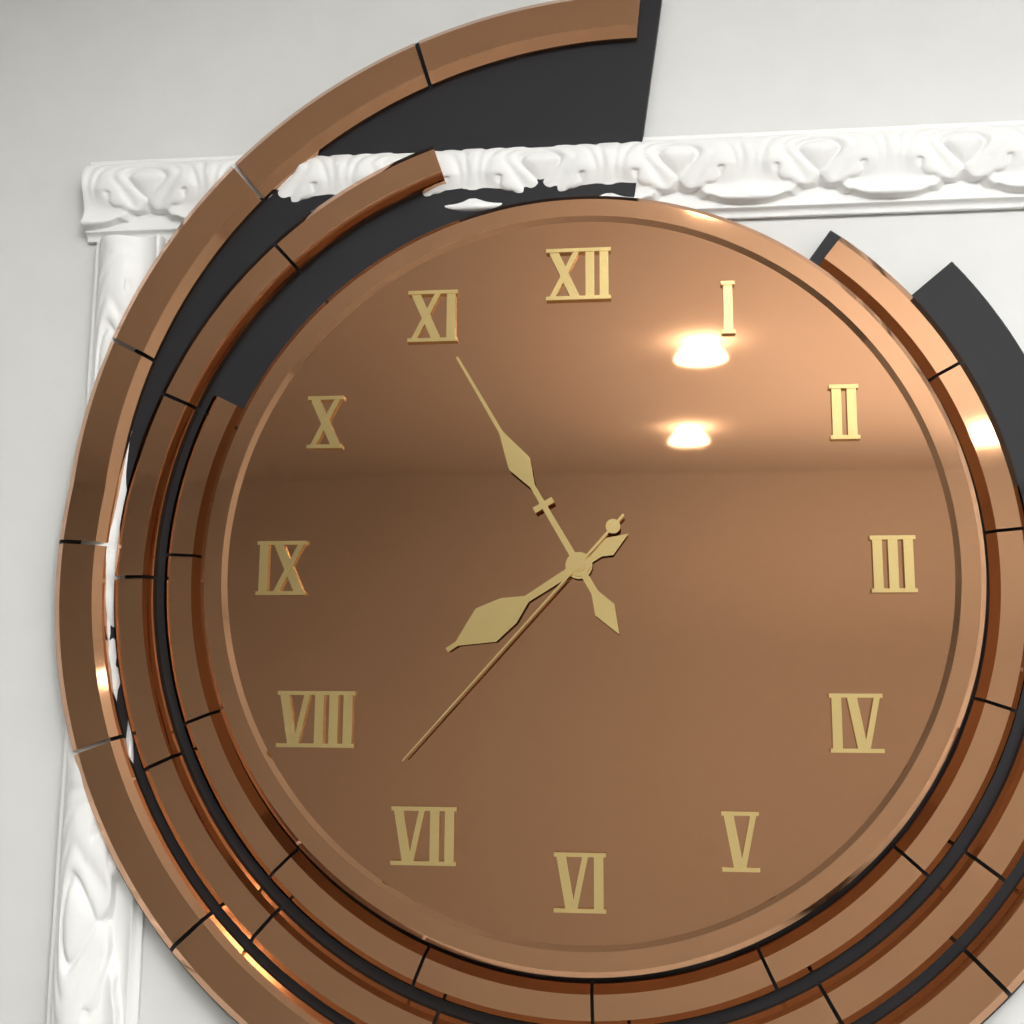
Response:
{"hour": 7, "minute": 55, "second": 37}
